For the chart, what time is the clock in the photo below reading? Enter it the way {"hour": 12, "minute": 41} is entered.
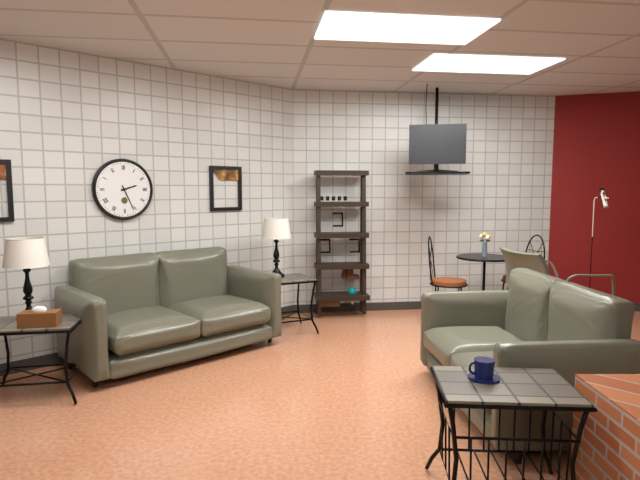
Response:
{"hour": 2, "minute": 26}
